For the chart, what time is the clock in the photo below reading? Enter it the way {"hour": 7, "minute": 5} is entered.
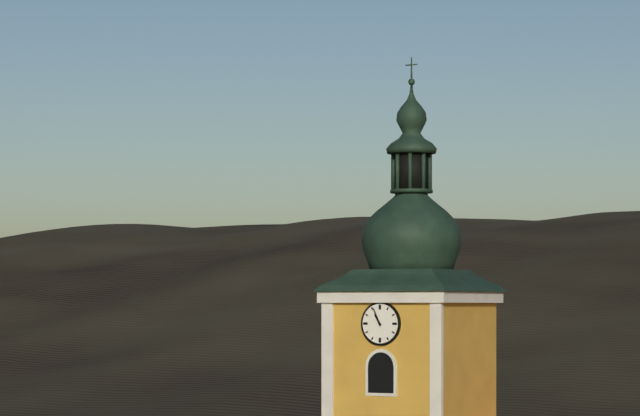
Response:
{"hour": 10, "minute": 56}
